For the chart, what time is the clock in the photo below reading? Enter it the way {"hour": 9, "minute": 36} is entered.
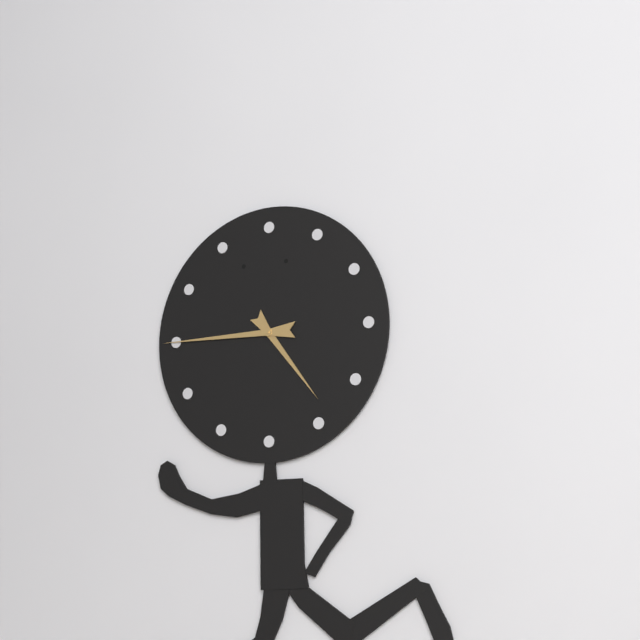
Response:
{"hour": 4, "minute": 45}
